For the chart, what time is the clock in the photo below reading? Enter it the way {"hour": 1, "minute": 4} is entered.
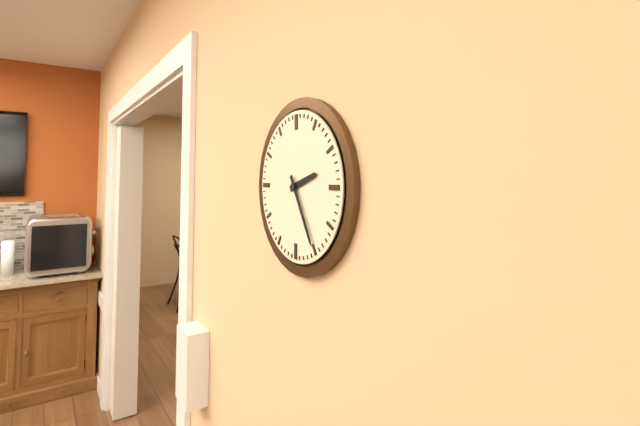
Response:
{"hour": 2, "minute": 25}
